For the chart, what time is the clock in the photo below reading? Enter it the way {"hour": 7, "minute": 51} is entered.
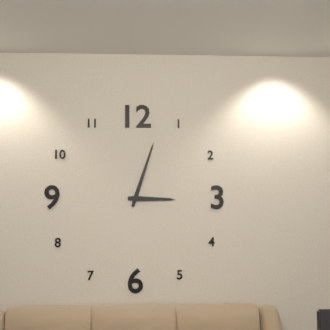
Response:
{"hour": 3, "minute": 3}
